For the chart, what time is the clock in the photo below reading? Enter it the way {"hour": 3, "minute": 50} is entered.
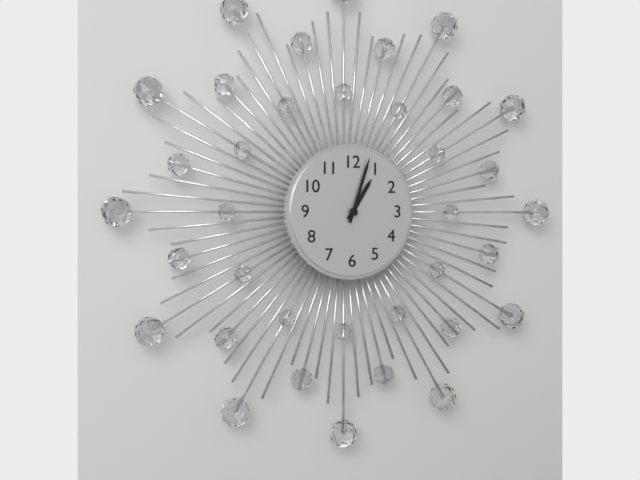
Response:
{"hour": 1, "minute": 3}
